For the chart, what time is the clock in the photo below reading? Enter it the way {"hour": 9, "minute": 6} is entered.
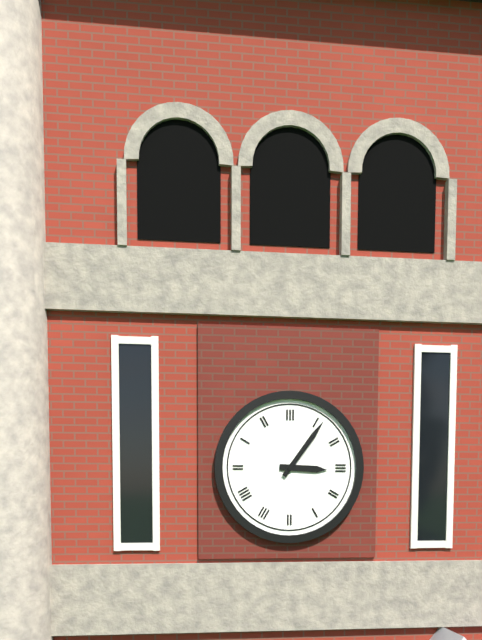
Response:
{"hour": 3, "minute": 6}
